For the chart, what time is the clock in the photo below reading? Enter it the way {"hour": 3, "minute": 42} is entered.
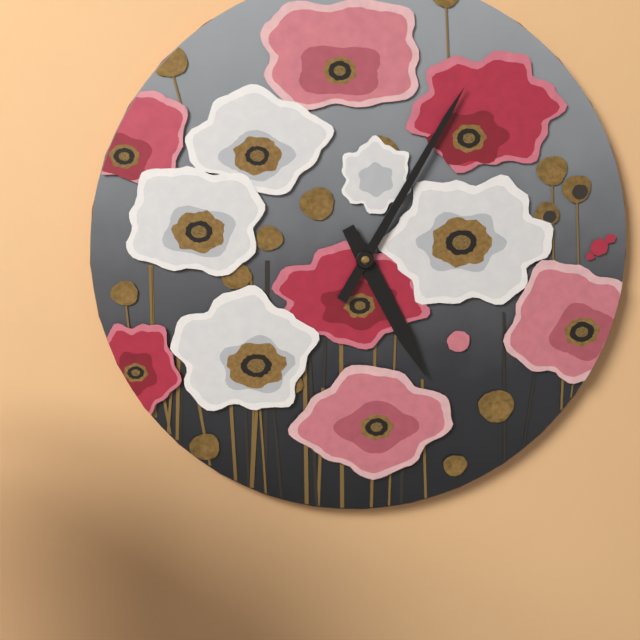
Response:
{"hour": 5, "minute": 5}
